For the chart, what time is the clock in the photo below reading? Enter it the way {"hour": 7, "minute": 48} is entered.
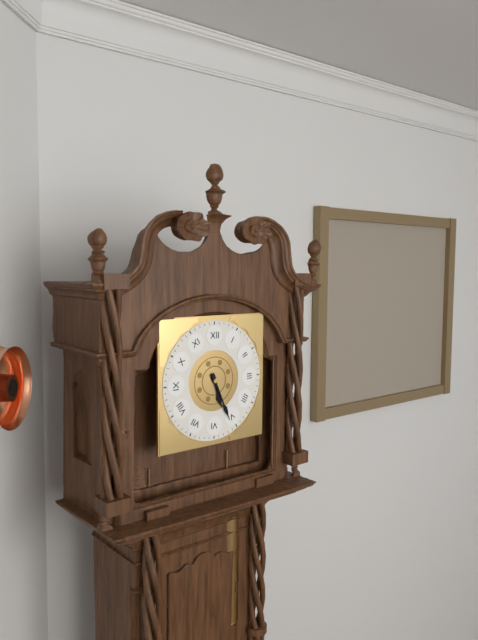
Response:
{"hour": 5, "minute": 26}
